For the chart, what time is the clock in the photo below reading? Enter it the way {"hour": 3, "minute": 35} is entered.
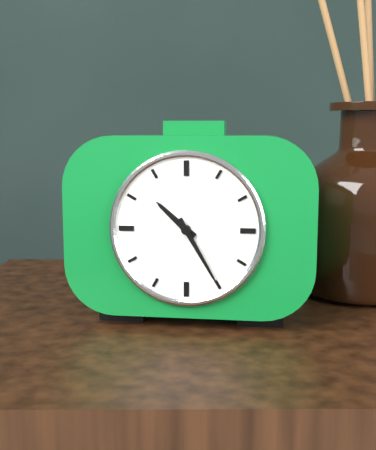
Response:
{"hour": 10, "minute": 25}
